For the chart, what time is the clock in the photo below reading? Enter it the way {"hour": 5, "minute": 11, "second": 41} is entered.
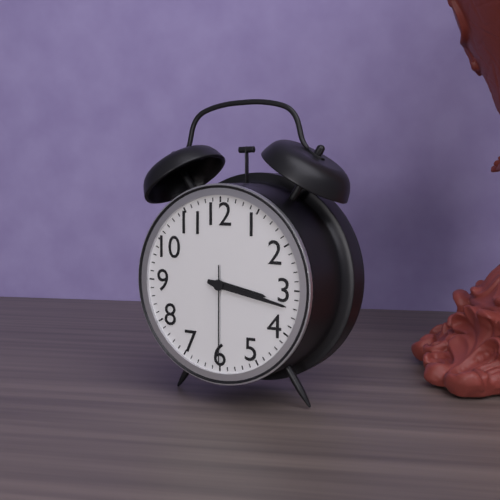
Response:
{"hour": 3, "minute": 17, "second": 30}
